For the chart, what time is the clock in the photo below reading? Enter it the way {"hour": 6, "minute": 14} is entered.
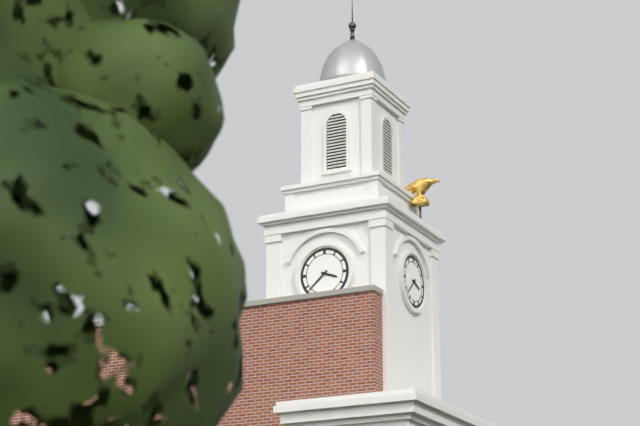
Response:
{"hour": 3, "minute": 38}
